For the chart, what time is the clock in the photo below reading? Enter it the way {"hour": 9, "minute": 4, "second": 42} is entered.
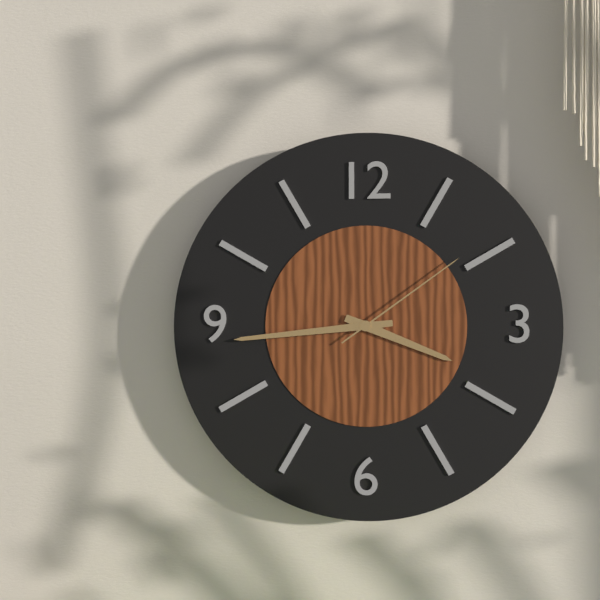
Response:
{"hour": 3, "minute": 44, "second": 9}
